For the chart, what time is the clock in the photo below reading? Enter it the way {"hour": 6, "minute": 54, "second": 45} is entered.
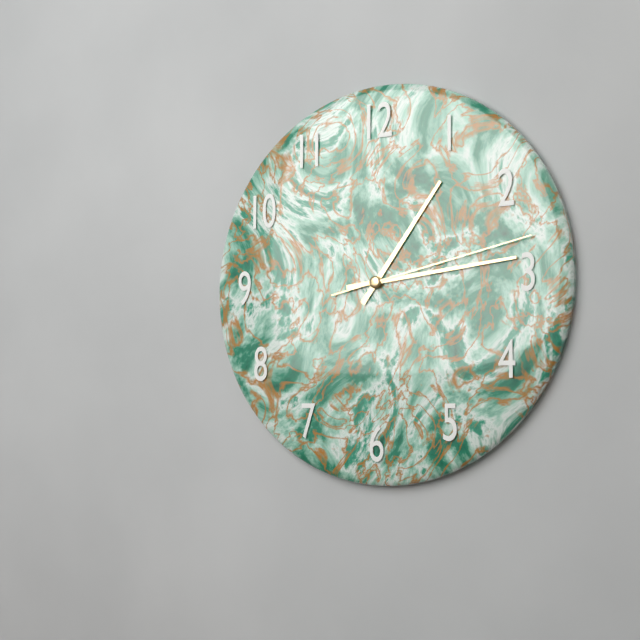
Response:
{"hour": 1, "minute": 14, "second": 13}
